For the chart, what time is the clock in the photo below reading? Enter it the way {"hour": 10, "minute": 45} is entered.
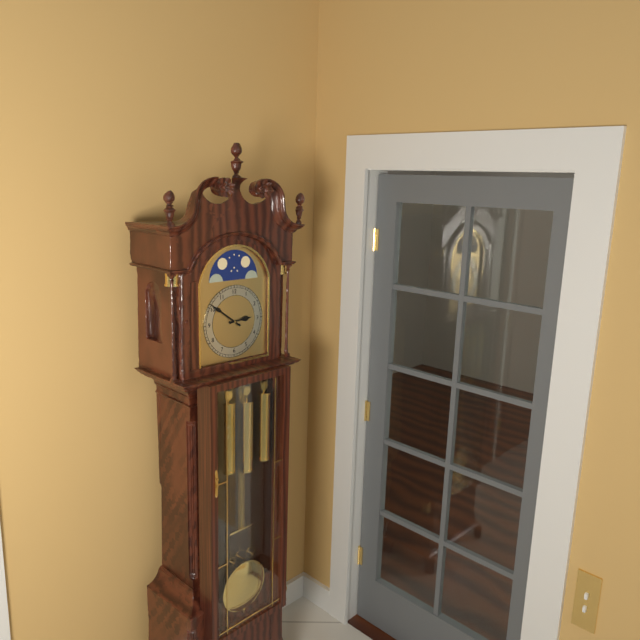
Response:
{"hour": 2, "minute": 51}
